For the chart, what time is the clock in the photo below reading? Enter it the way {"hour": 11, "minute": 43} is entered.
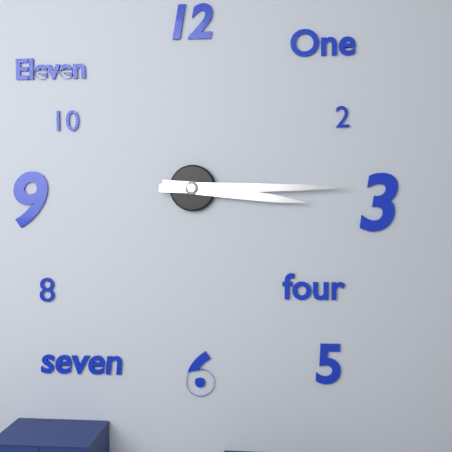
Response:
{"hour": 3, "minute": 15}
